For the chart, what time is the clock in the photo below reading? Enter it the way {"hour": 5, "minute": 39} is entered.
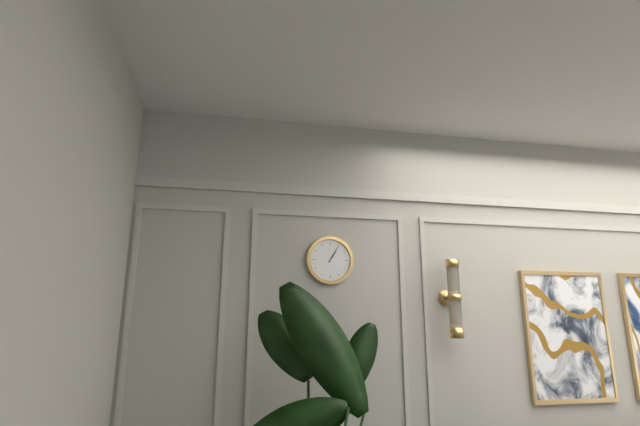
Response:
{"hour": 1, "minute": 5}
